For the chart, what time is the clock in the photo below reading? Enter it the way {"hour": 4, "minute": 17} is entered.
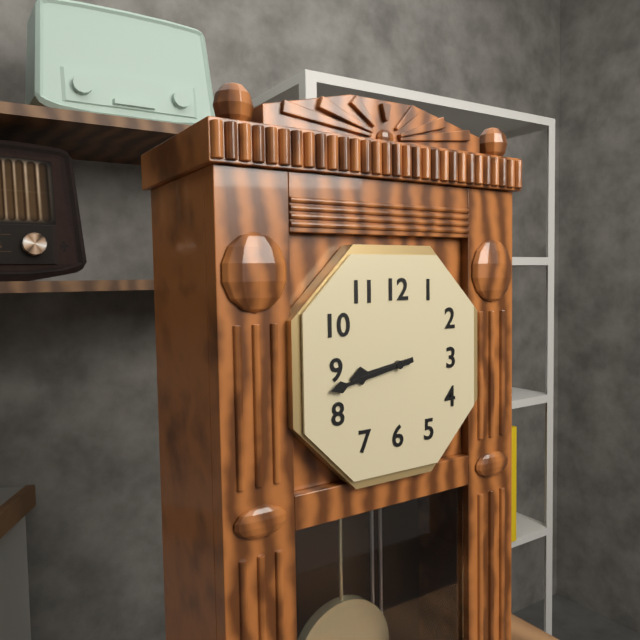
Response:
{"hour": 8, "minute": 43}
